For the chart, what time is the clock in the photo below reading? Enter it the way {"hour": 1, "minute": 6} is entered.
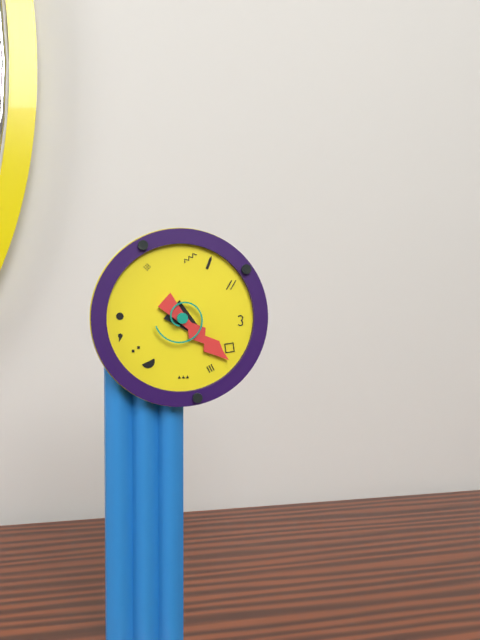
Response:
{"hour": 4, "minute": 22}
